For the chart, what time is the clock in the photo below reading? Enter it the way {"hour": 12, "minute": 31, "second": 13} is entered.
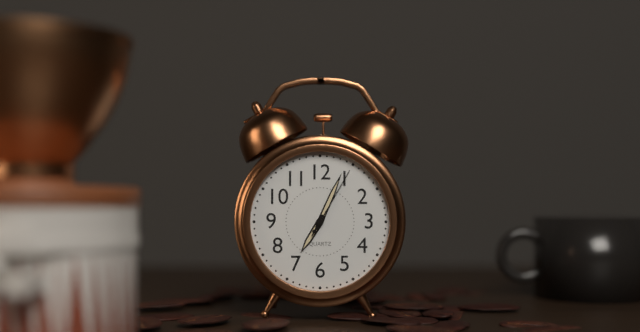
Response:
{"hour": 7, "minute": 4, "second": 5}
